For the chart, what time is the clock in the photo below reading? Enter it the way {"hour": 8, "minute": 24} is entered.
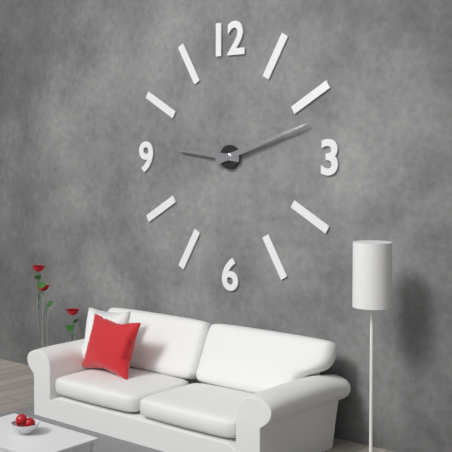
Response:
{"hour": 9, "minute": 12}
